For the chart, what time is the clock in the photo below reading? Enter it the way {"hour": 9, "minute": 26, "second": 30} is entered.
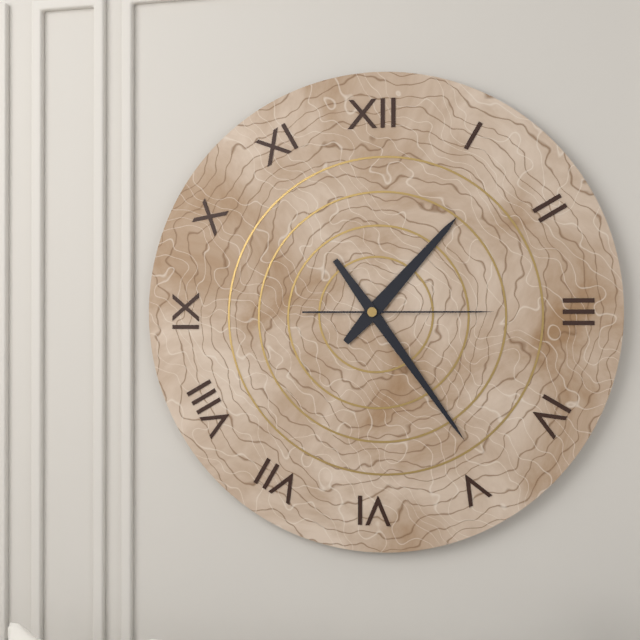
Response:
{"hour": 1, "minute": 24, "second": 15}
